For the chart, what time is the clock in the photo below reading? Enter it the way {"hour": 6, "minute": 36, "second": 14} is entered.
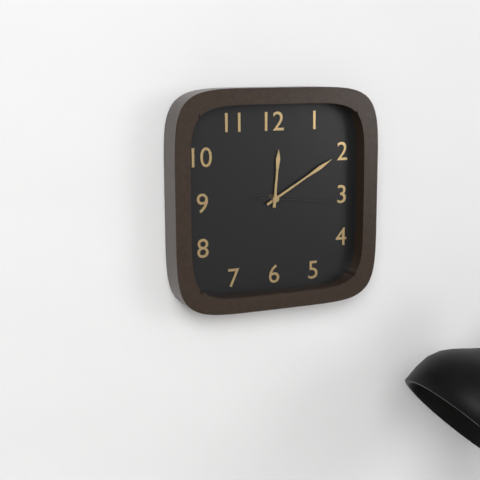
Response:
{"hour": 12, "minute": 10, "second": 16}
